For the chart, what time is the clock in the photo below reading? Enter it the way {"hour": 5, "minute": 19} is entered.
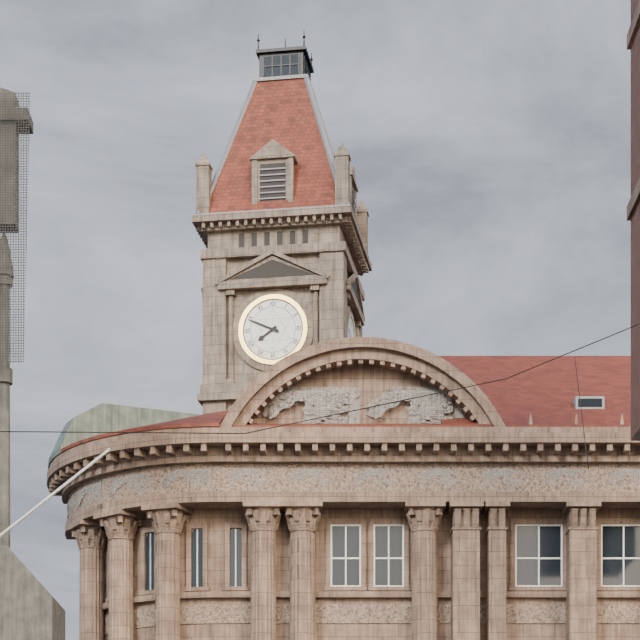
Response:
{"hour": 7, "minute": 49}
